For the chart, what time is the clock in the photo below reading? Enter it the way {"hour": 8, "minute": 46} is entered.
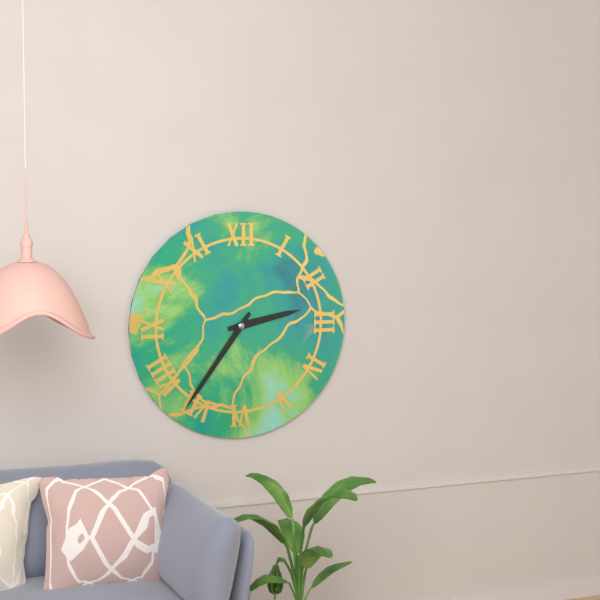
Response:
{"hour": 2, "minute": 36}
